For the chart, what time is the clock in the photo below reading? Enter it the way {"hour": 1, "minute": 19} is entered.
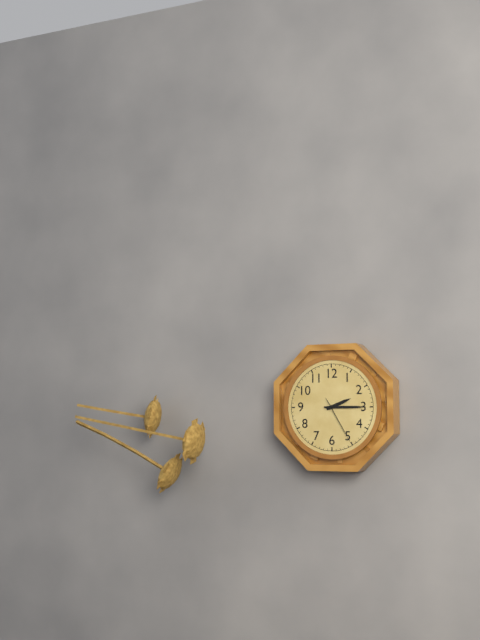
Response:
{"hour": 2, "minute": 15}
